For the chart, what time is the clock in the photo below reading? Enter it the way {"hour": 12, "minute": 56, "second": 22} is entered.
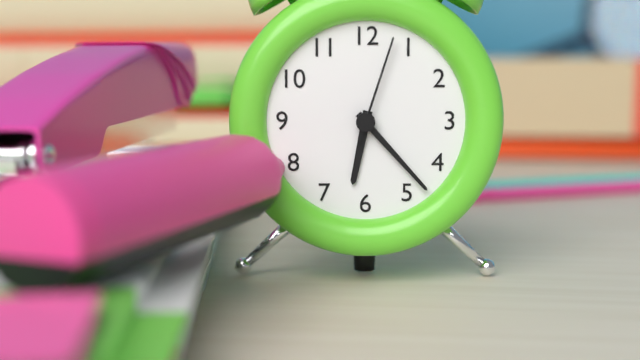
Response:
{"hour": 6, "minute": 23, "second": 3}
